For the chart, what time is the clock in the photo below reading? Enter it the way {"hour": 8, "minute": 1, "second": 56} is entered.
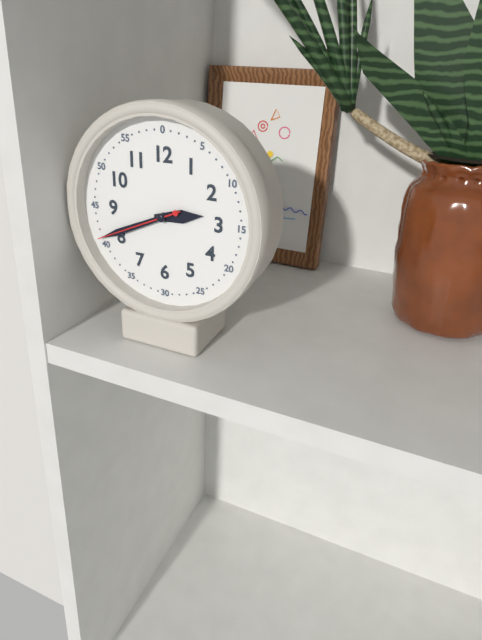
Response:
{"hour": 2, "minute": 41, "second": 41}
